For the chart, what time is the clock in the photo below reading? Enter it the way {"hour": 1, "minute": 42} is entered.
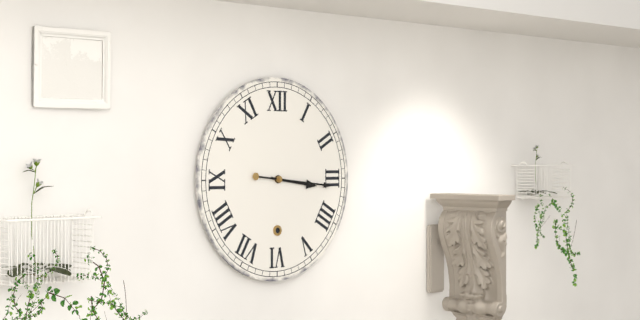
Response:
{"hour": 3, "minute": 16}
